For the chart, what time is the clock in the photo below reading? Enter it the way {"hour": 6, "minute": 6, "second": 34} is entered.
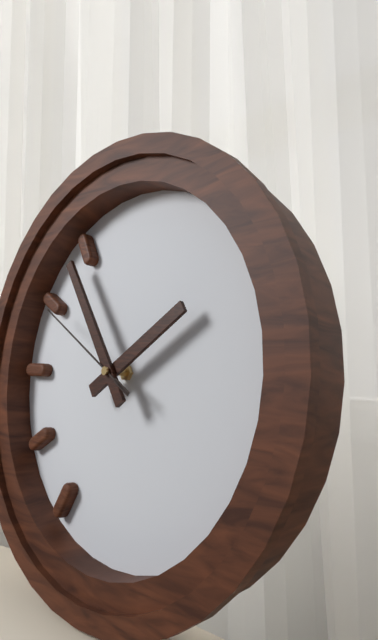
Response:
{"hour": 1, "minute": 54, "second": 50}
